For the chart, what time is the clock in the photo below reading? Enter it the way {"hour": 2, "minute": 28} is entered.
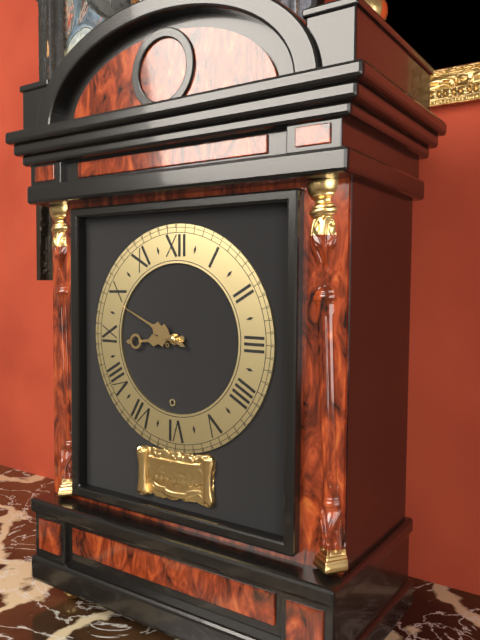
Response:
{"hour": 8, "minute": 49}
